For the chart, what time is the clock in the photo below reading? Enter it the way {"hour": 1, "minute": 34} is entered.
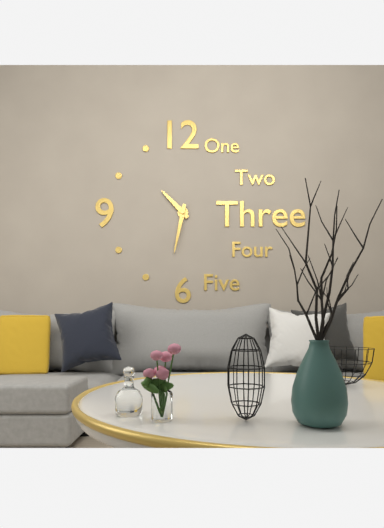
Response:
{"hour": 10, "minute": 32}
